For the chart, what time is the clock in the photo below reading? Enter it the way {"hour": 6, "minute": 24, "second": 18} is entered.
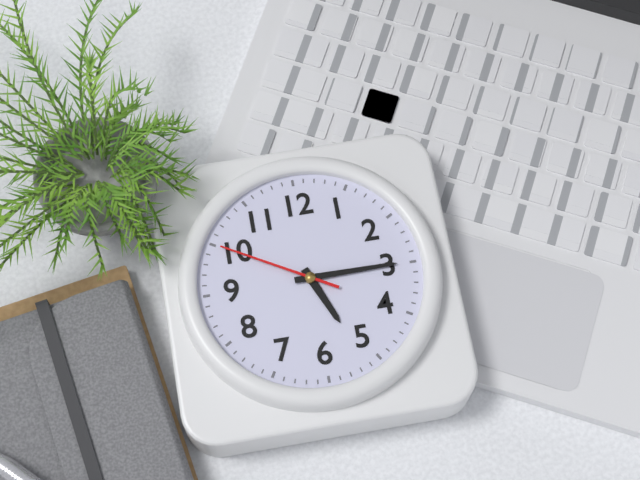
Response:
{"hour": 5, "minute": 15, "second": 50}
